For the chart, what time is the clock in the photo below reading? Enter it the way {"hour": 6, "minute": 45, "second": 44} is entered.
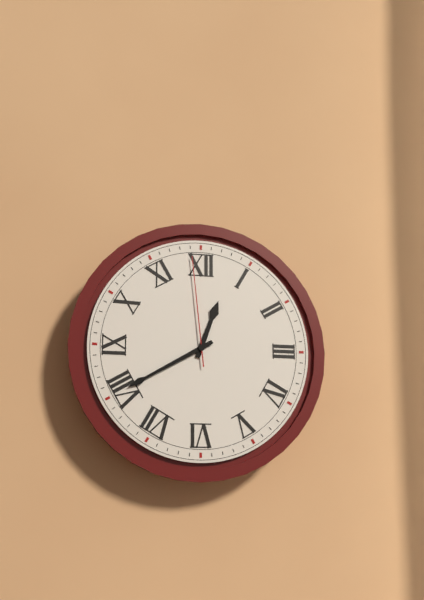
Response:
{"hour": 12, "minute": 40, "second": 59}
